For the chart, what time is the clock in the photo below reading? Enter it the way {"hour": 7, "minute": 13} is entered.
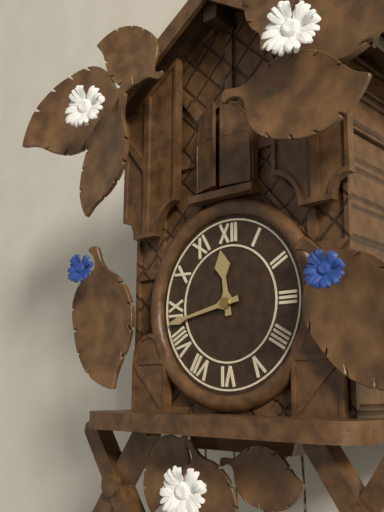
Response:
{"hour": 11, "minute": 43}
